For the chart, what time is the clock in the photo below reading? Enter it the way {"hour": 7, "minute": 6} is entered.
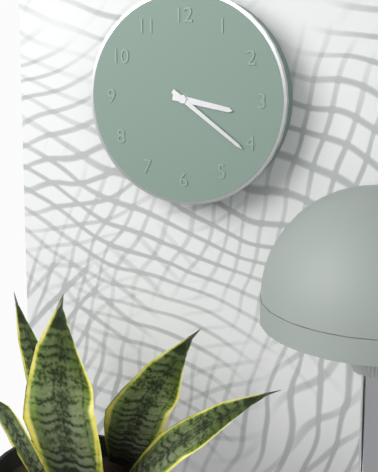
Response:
{"hour": 3, "minute": 21}
